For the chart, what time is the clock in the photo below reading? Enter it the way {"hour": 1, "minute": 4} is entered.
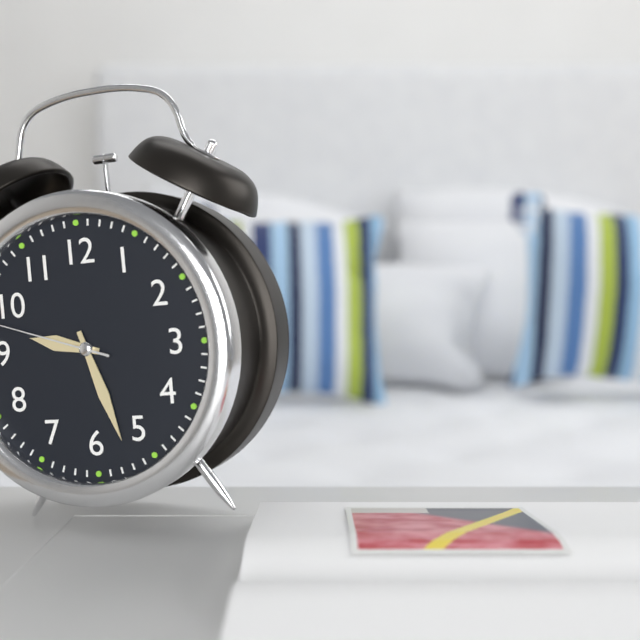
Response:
{"hour": 9, "minute": 27}
